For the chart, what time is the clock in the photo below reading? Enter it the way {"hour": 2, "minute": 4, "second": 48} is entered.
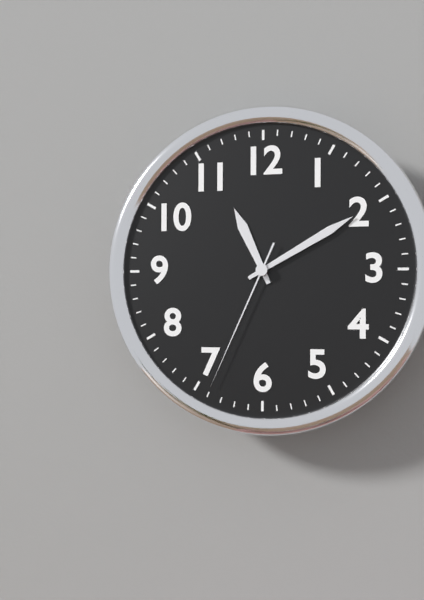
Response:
{"hour": 11, "minute": 10, "second": 34}
